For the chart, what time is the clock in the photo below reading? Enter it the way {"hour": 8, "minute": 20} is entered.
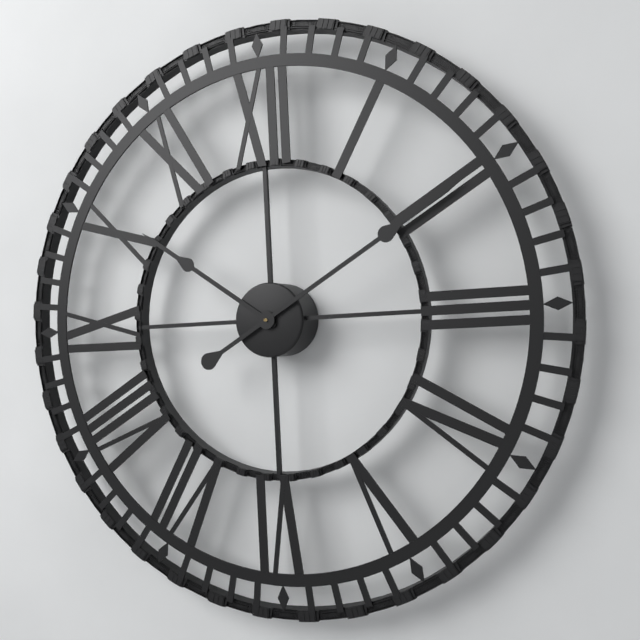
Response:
{"hour": 10, "minute": 10}
